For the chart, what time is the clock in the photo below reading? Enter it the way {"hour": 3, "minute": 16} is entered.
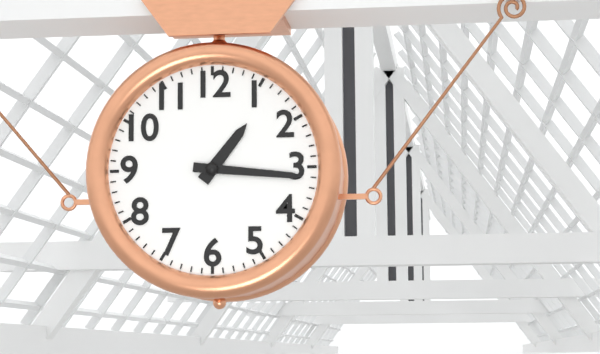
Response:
{"hour": 1, "minute": 16}
